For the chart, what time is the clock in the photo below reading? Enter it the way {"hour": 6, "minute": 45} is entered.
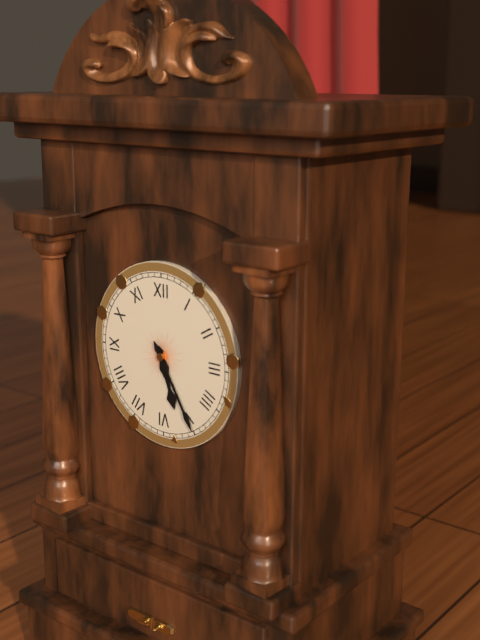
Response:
{"hour": 5, "minute": 25}
